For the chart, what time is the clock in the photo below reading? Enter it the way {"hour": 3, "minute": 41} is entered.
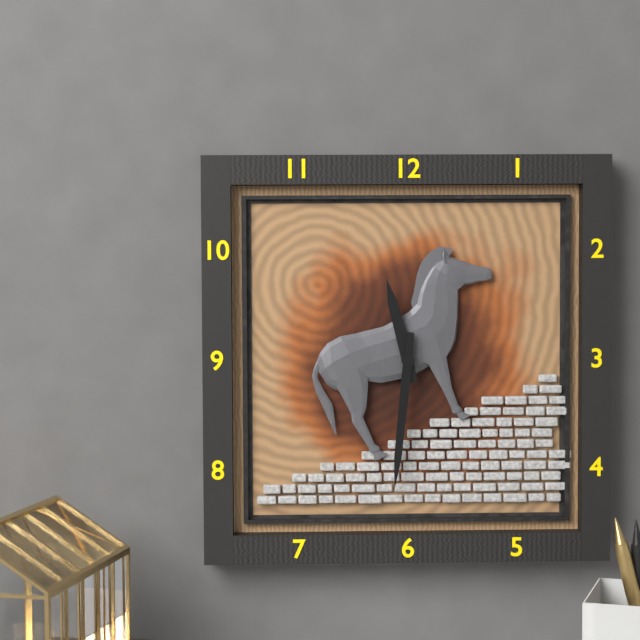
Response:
{"hour": 11, "minute": 31}
